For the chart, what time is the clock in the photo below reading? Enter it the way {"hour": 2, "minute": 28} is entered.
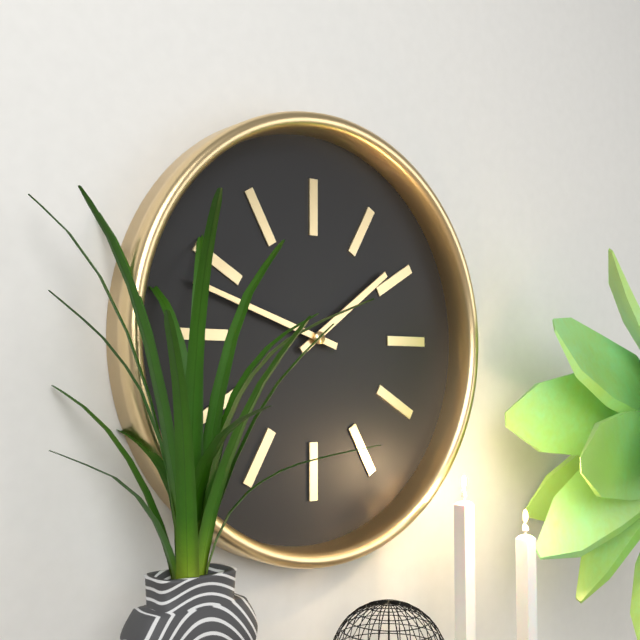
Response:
{"hour": 1, "minute": 48}
